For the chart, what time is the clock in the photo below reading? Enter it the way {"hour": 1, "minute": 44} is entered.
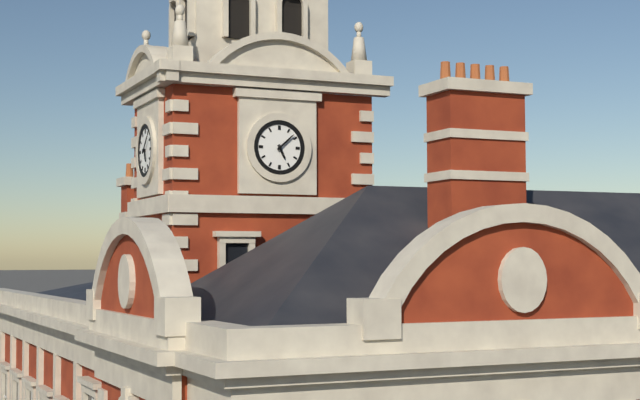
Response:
{"hour": 5, "minute": 8}
